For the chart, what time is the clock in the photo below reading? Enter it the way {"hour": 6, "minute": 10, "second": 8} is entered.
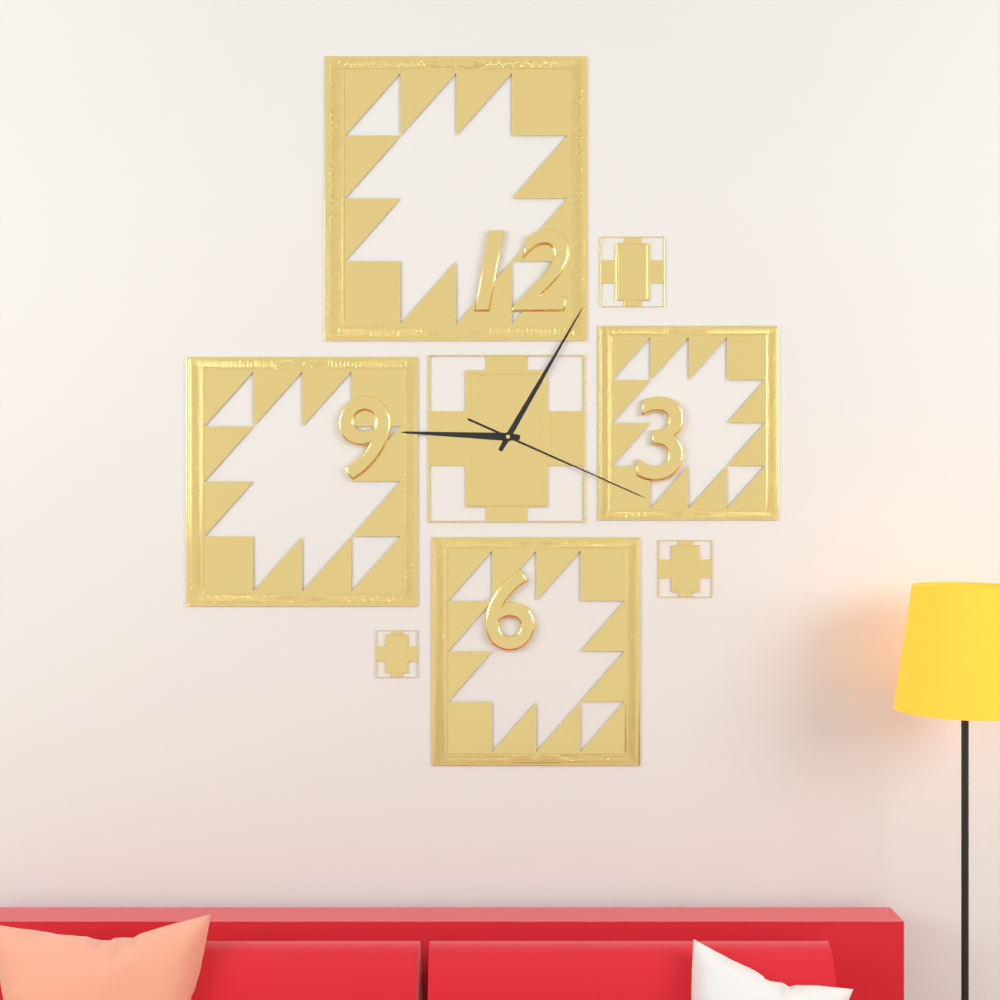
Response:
{"hour": 9, "minute": 5, "second": 19}
